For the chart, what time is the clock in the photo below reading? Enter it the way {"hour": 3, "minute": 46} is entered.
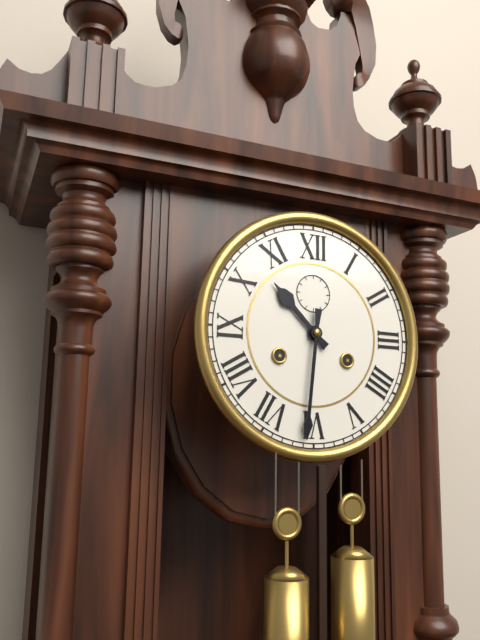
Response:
{"hour": 10, "minute": 31}
